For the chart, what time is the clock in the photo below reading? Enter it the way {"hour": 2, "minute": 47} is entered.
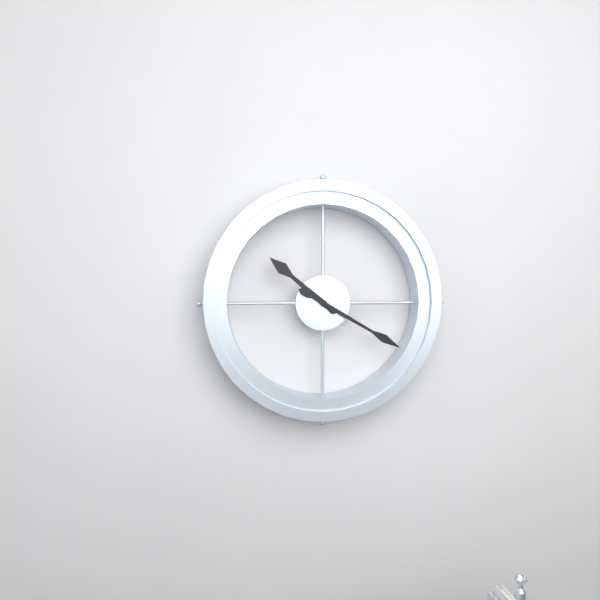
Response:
{"hour": 10, "minute": 20}
